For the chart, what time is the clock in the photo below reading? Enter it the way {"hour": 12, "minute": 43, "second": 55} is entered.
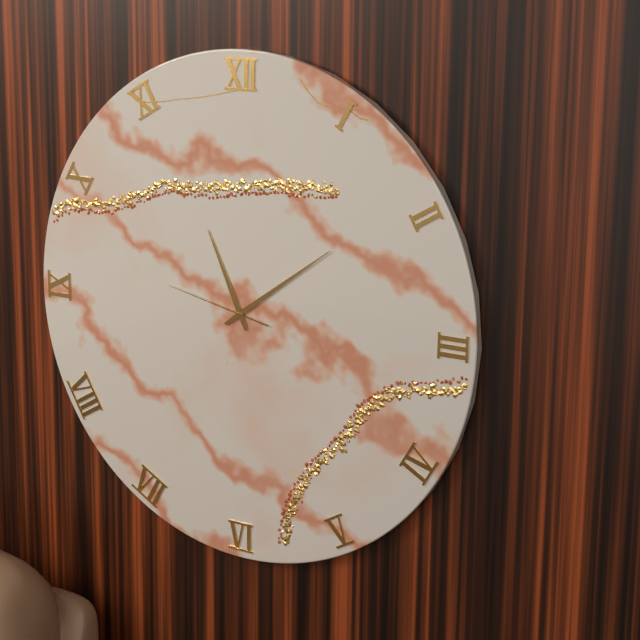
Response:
{"hour": 11, "minute": 9, "second": 47}
